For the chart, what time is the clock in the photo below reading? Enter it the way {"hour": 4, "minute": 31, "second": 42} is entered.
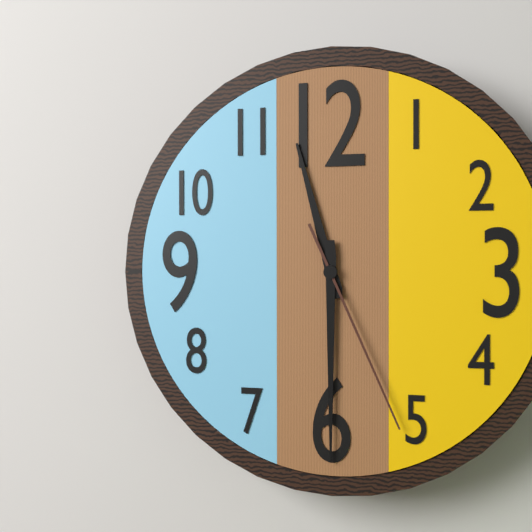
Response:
{"hour": 11, "minute": 30, "second": 26}
